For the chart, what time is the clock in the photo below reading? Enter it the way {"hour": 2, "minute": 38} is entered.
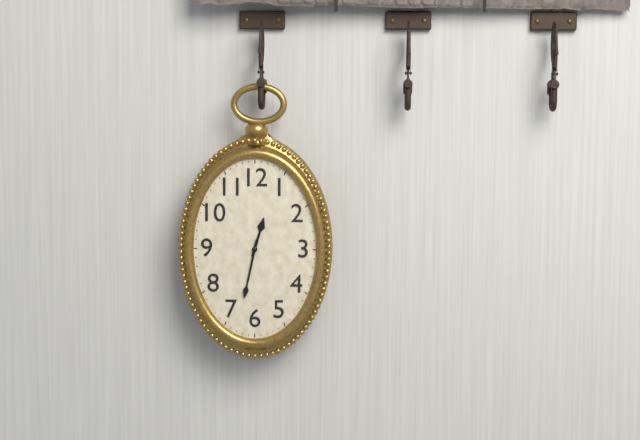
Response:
{"hour": 12, "minute": 32}
